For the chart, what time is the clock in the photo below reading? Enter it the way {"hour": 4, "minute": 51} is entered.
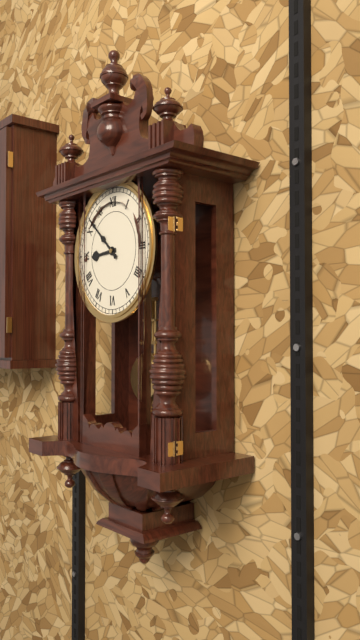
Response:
{"hour": 8, "minute": 52}
